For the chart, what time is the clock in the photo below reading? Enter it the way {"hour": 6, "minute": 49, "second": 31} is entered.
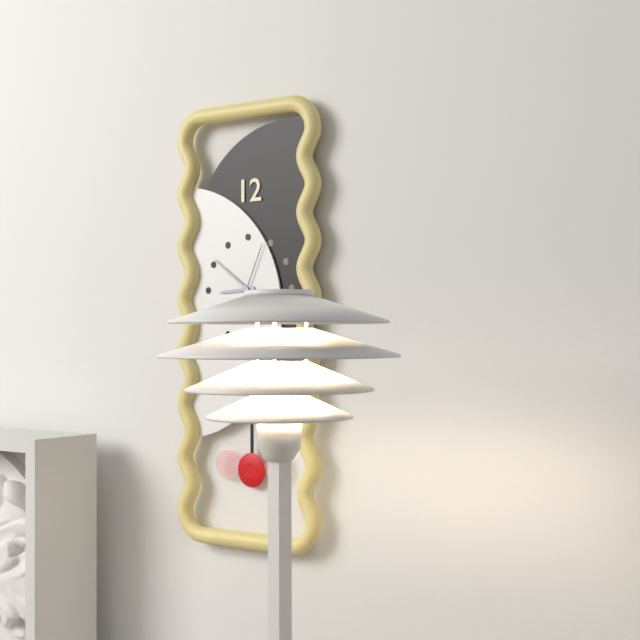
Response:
{"hour": 8, "minute": 51, "second": 4}
